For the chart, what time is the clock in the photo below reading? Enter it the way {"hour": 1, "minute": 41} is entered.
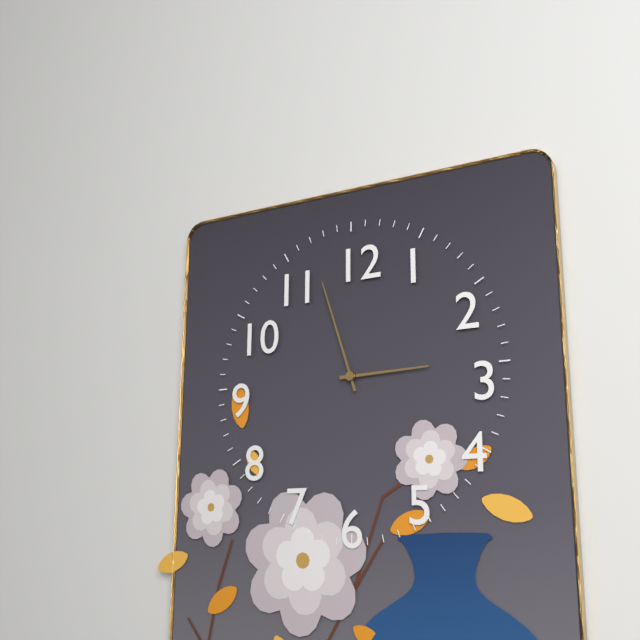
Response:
{"hour": 2, "minute": 57}
